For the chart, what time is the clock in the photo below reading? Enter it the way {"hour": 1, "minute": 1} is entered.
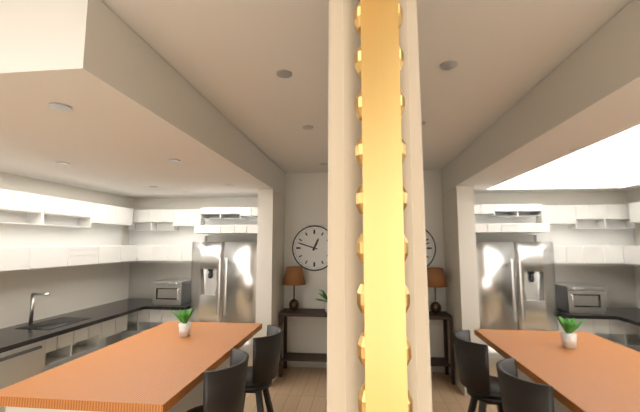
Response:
{"hour": 12, "minute": 48}
